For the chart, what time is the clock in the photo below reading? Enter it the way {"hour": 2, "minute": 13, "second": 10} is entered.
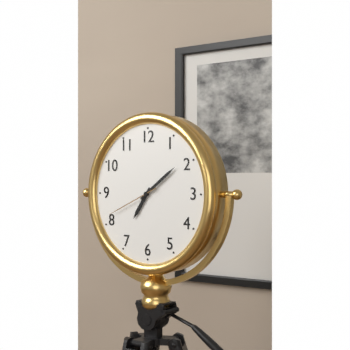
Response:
{"hour": 7, "minute": 9, "second": 41}
